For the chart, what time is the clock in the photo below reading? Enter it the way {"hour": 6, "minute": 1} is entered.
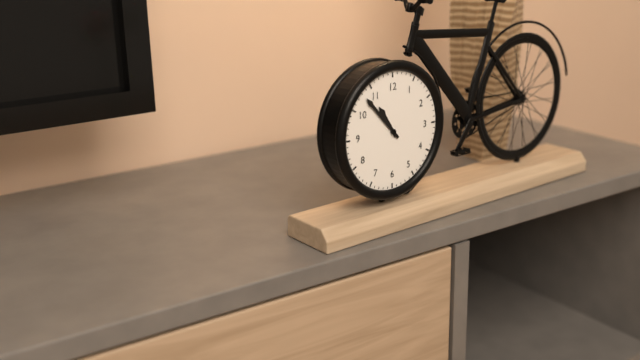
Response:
{"hour": 10, "minute": 53}
